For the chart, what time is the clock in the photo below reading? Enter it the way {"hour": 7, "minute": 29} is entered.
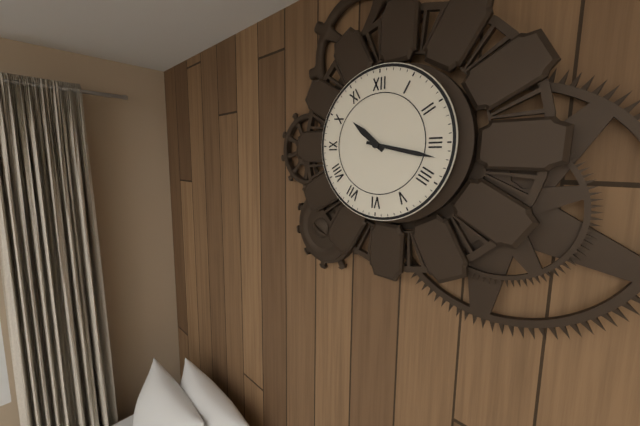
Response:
{"hour": 10, "minute": 17}
